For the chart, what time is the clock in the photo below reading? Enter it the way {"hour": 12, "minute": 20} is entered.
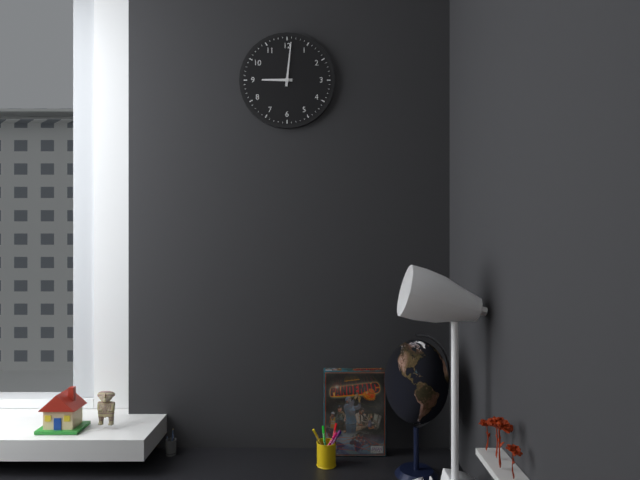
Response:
{"hour": 9, "minute": 1}
